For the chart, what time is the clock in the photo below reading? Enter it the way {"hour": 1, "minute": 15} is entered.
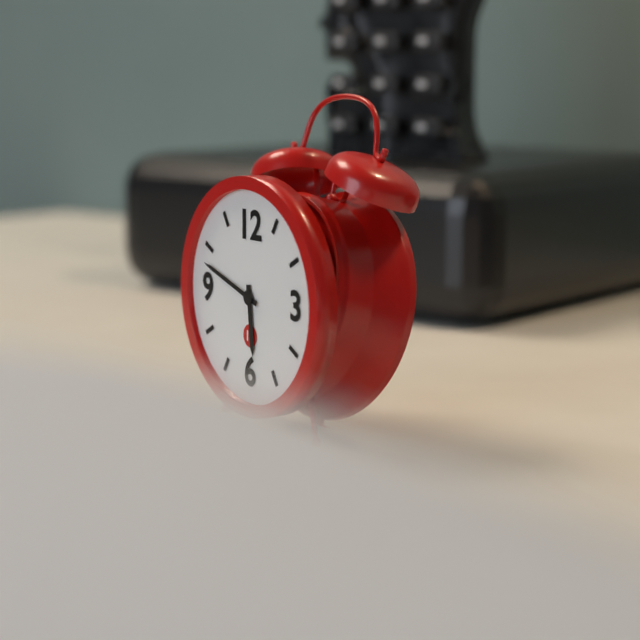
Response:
{"hour": 5, "minute": 48}
